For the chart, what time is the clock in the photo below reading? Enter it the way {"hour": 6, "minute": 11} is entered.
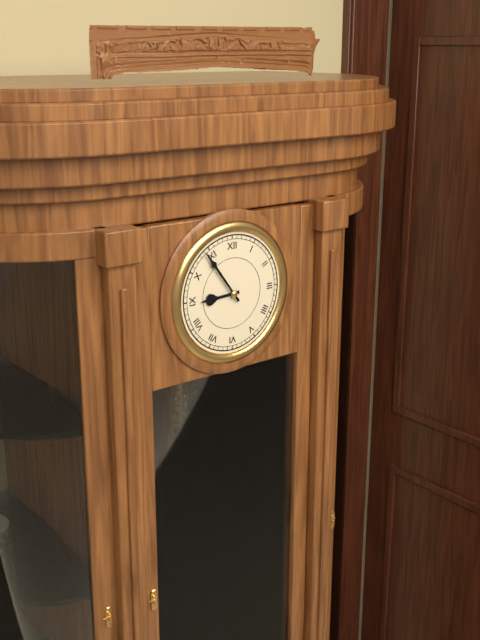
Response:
{"hour": 8, "minute": 54}
